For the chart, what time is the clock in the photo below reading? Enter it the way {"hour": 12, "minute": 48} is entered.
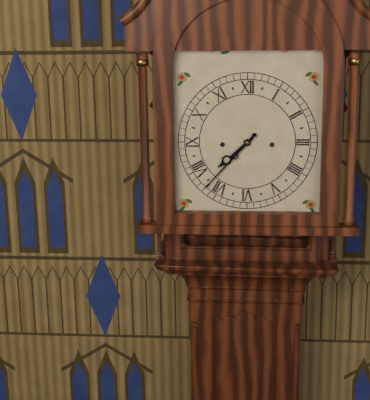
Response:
{"hour": 7, "minute": 37}
